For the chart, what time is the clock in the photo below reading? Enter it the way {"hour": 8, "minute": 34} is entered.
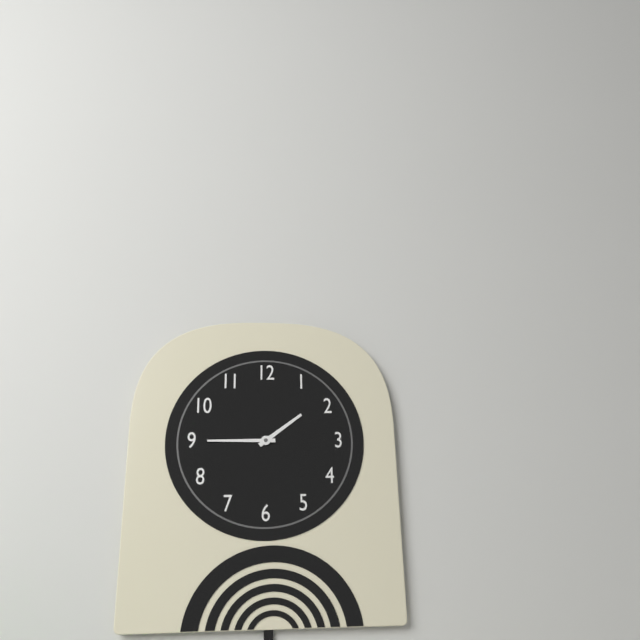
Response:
{"hour": 1, "minute": 45}
